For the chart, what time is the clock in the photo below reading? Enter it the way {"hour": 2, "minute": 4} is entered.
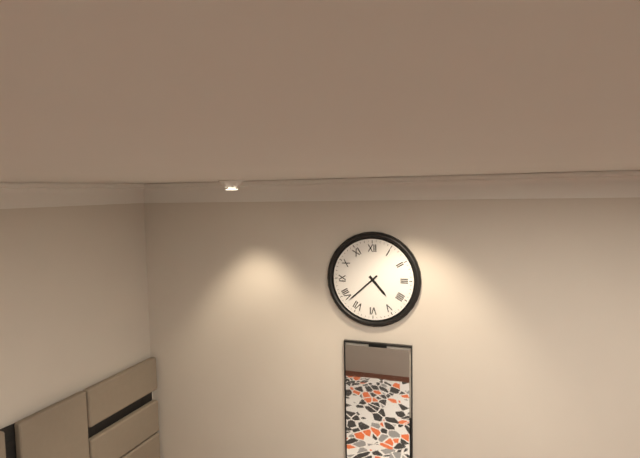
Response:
{"hour": 4, "minute": 38}
